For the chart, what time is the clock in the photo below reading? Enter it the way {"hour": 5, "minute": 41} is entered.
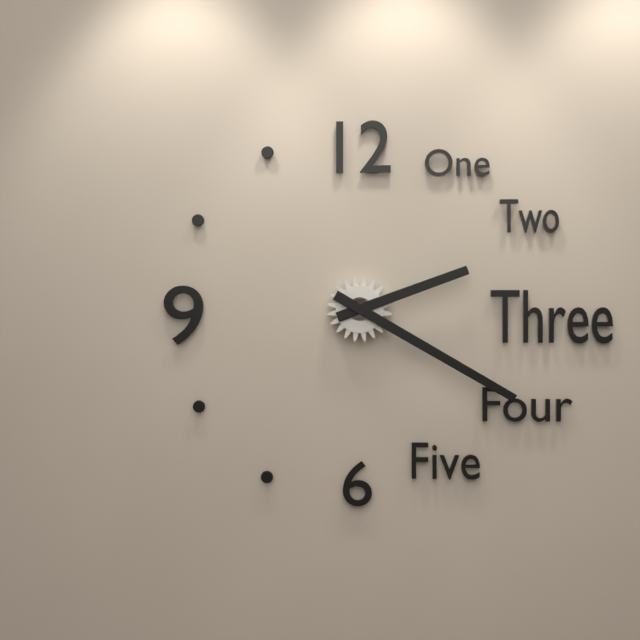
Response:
{"hour": 2, "minute": 20}
